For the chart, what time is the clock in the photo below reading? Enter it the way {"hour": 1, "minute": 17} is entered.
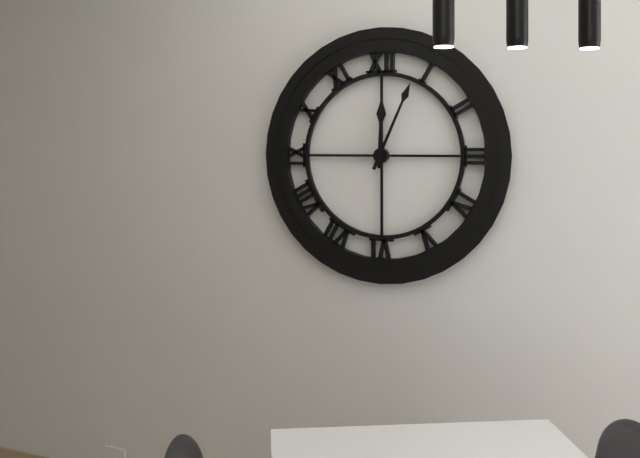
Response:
{"hour": 12, "minute": 4}
